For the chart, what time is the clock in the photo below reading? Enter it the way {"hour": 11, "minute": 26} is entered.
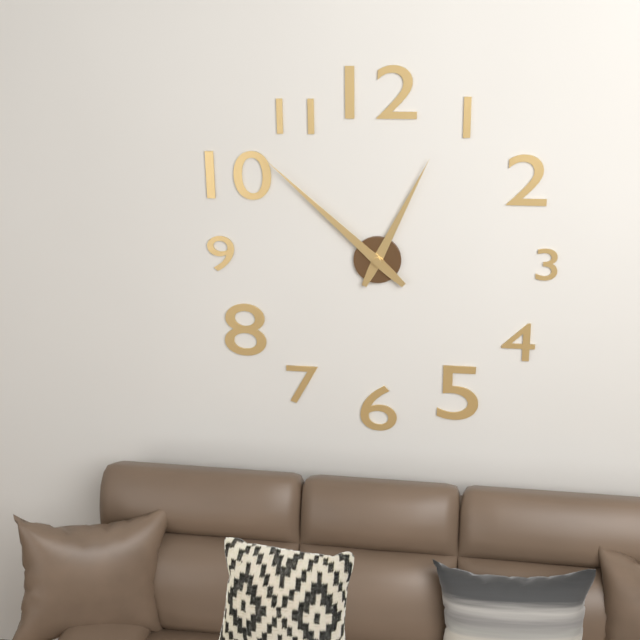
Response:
{"hour": 12, "minute": 52}
